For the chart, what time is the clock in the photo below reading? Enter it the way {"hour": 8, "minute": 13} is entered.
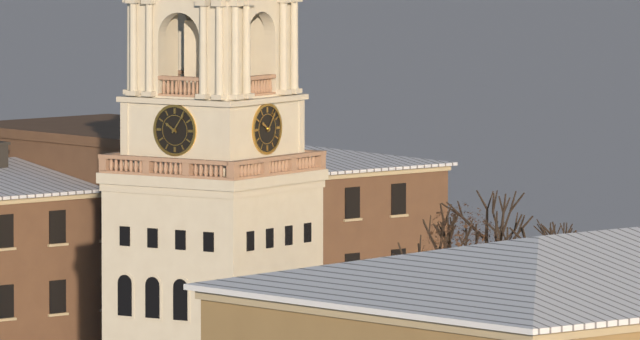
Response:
{"hour": 10, "minute": 6}
